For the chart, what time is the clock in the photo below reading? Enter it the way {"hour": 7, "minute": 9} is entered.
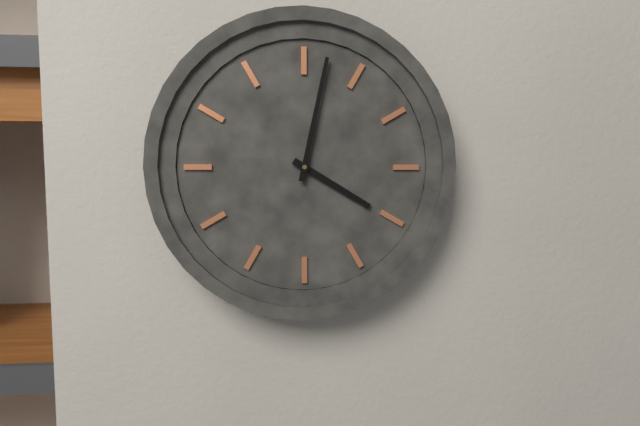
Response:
{"hour": 4, "minute": 2}
